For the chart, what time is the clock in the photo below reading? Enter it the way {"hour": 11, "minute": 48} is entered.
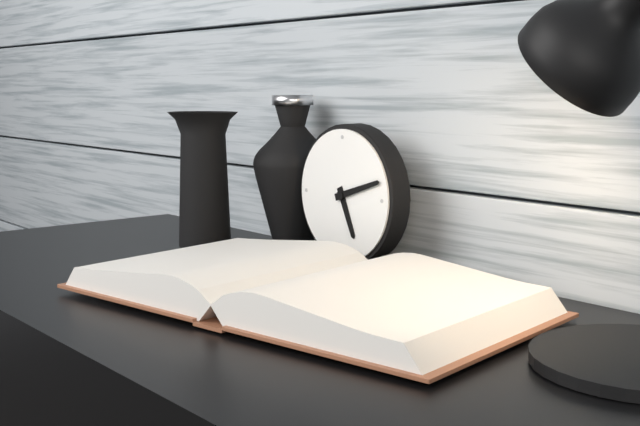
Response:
{"hour": 5, "minute": 12}
